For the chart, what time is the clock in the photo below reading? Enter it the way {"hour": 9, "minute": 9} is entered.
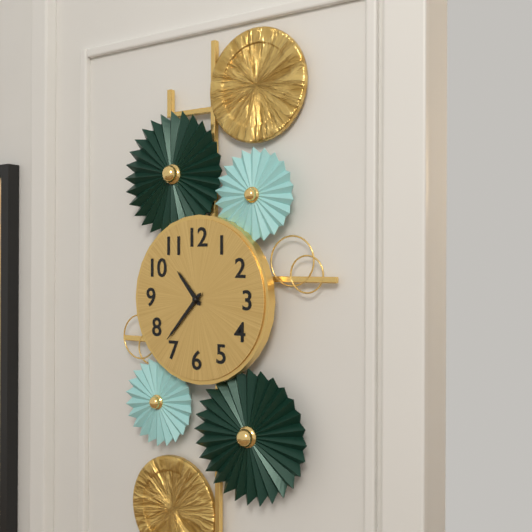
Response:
{"hour": 10, "minute": 37}
